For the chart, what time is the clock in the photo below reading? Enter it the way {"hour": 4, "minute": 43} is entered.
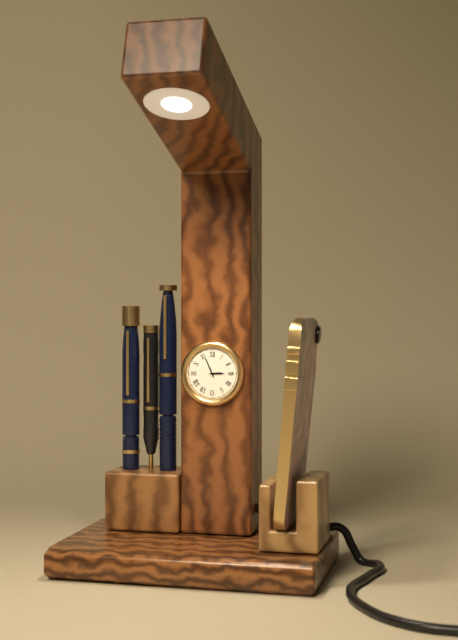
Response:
{"hour": 2, "minute": 56}
